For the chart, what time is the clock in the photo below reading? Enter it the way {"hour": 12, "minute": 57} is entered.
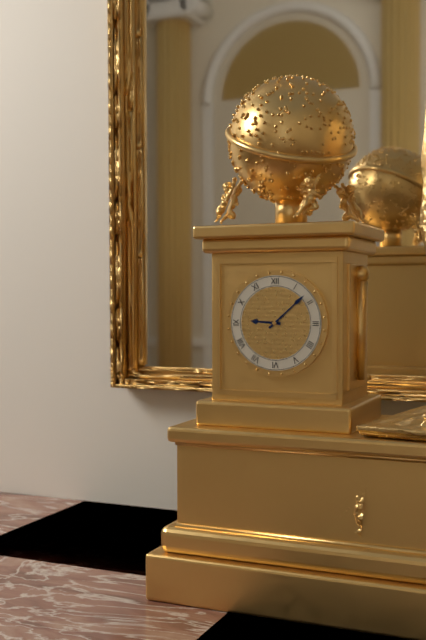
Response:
{"hour": 9, "minute": 8}
